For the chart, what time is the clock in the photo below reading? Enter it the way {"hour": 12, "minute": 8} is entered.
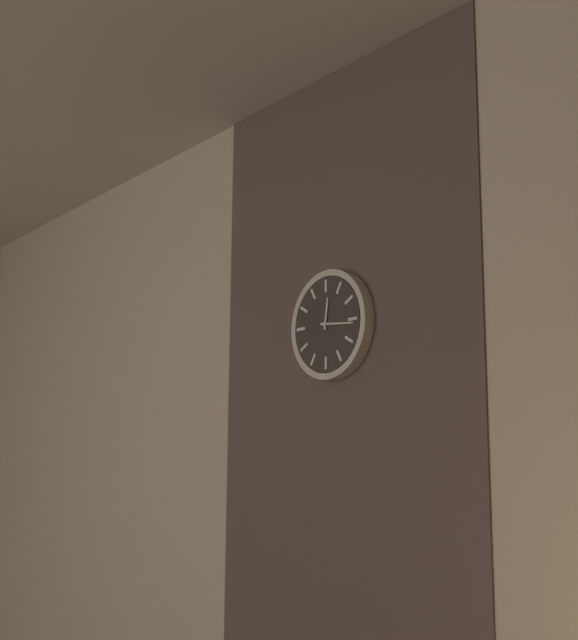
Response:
{"hour": 12, "minute": 16}
